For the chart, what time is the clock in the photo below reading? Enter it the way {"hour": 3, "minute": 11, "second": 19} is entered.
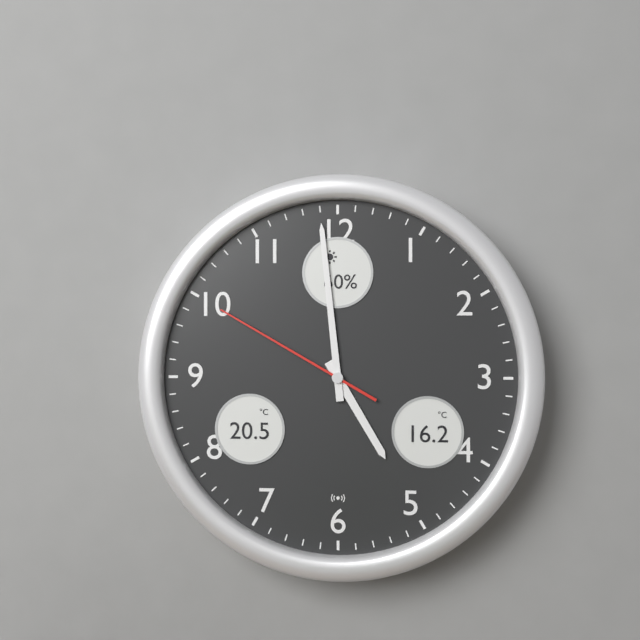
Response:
{"hour": 4, "minute": 59, "second": 50}
